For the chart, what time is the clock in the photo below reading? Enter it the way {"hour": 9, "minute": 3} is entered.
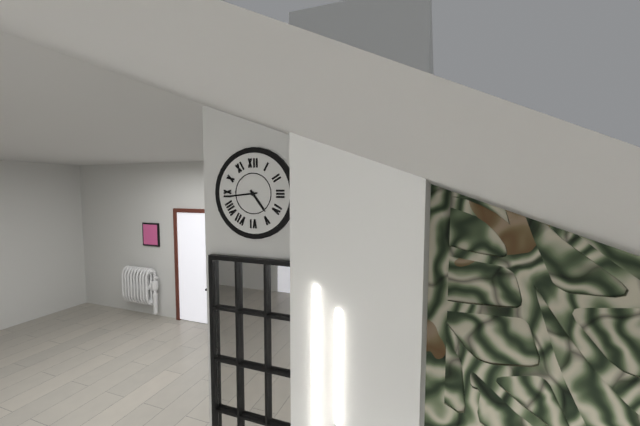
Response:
{"hour": 4, "minute": 44}
